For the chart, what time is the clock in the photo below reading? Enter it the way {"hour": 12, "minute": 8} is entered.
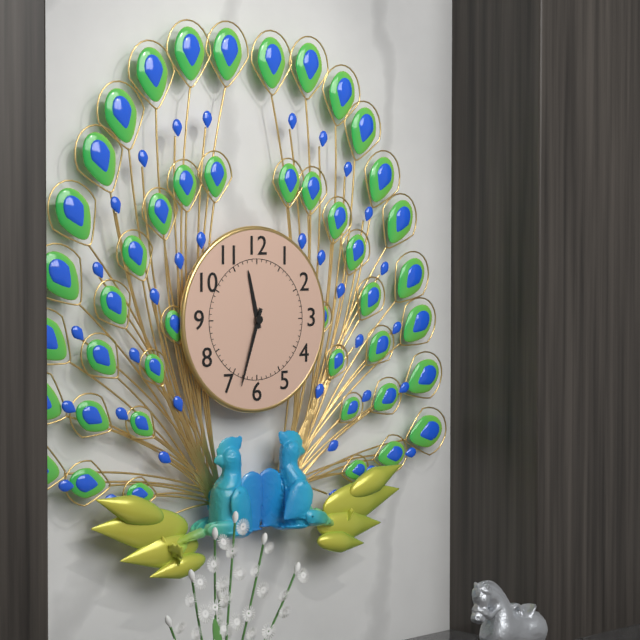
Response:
{"hour": 11, "minute": 33}
